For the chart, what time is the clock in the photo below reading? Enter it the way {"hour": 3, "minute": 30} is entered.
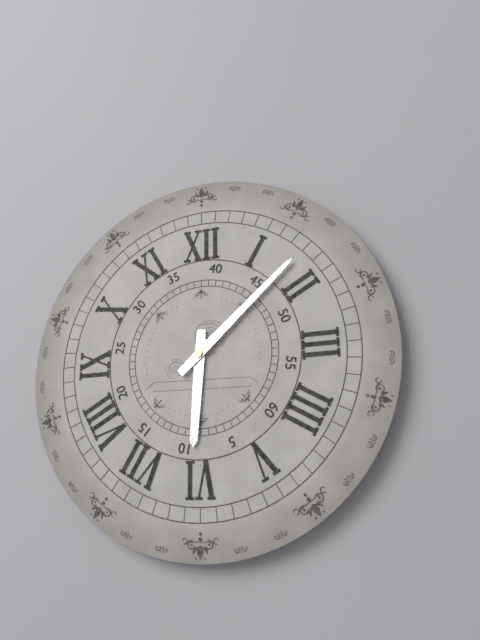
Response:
{"hour": 6, "minute": 8}
